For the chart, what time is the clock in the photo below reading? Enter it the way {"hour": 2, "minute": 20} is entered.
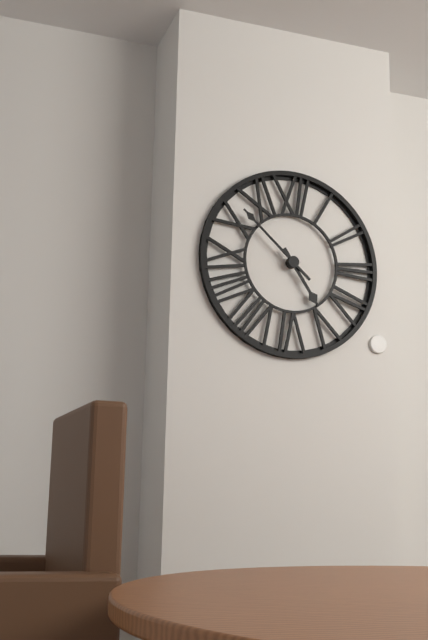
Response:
{"hour": 4, "minute": 52}
